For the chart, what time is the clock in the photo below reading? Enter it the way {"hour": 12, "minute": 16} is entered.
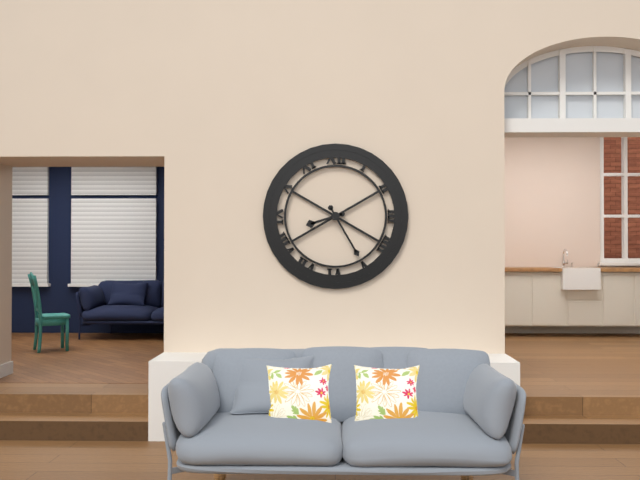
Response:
{"hour": 8, "minute": 25}
